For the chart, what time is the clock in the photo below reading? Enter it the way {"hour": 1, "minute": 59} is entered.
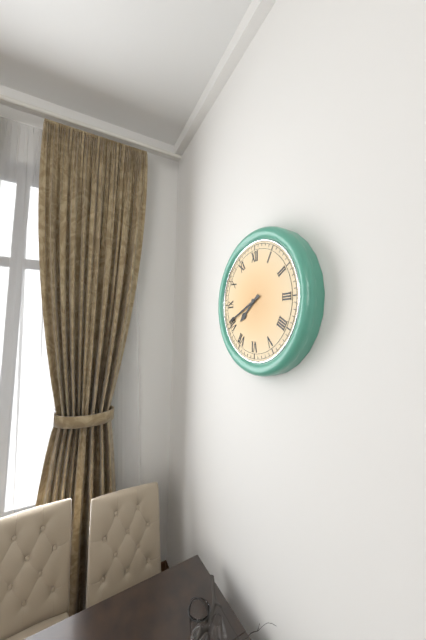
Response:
{"hour": 7, "minute": 41}
